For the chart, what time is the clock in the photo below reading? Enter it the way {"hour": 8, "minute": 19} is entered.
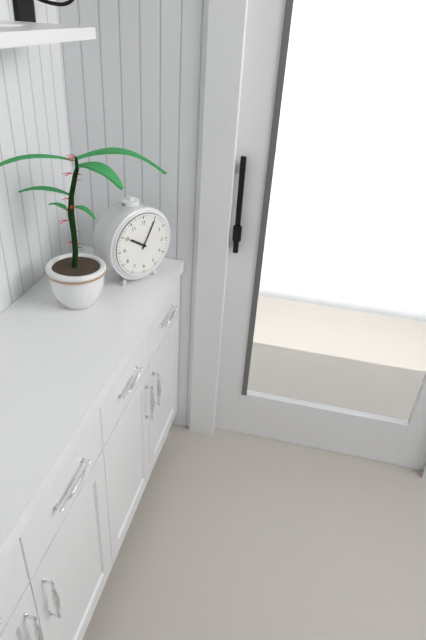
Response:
{"hour": 10, "minute": 5}
